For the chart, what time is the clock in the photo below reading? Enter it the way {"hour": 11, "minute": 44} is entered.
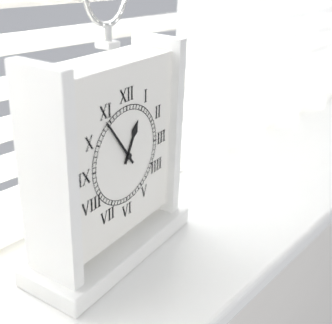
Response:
{"hour": 12, "minute": 54}
